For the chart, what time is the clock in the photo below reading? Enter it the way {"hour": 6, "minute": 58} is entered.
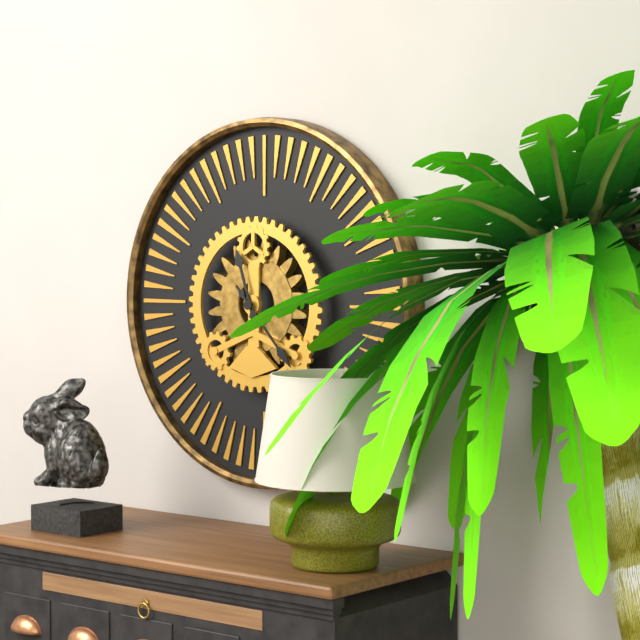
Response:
{"hour": 11, "minute": 23}
